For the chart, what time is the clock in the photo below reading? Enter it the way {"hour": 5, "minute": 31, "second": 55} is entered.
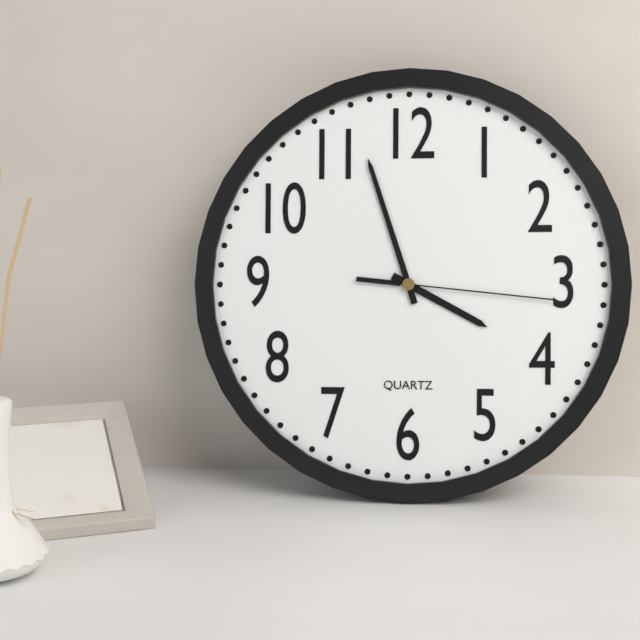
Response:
{"hour": 3, "minute": 57, "second": 16}
